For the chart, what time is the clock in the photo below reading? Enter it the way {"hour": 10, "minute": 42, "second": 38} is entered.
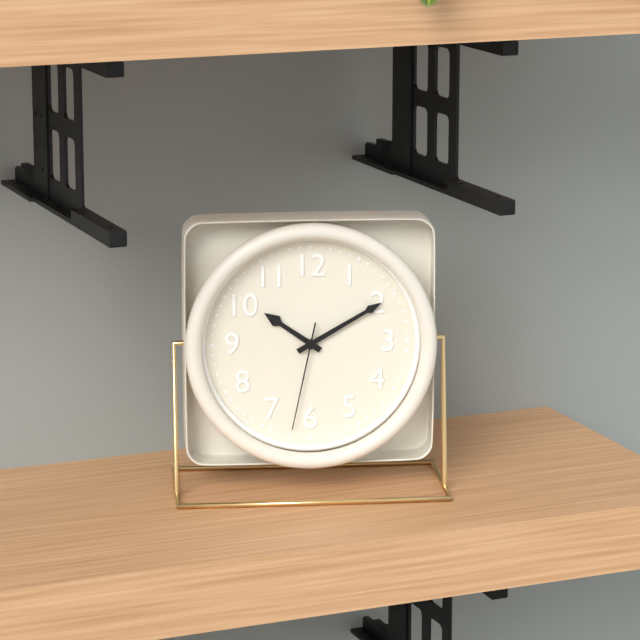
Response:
{"hour": 10, "minute": 10, "second": 32}
